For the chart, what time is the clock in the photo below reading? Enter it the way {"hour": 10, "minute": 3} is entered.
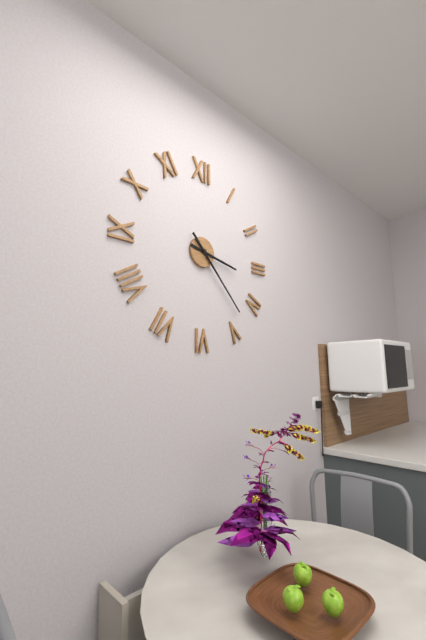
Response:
{"hour": 3, "minute": 23}
